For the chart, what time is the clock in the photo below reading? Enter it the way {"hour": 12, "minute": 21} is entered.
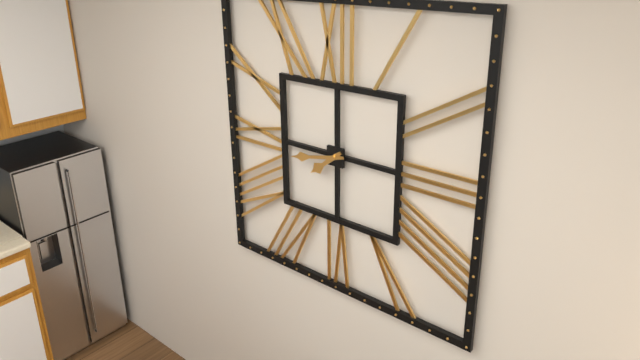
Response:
{"hour": 7, "minute": 43}
